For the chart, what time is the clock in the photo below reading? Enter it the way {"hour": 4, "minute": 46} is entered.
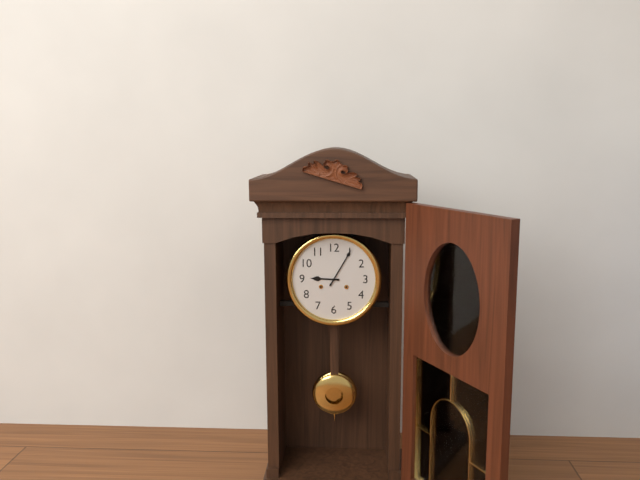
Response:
{"hour": 9, "minute": 5}
